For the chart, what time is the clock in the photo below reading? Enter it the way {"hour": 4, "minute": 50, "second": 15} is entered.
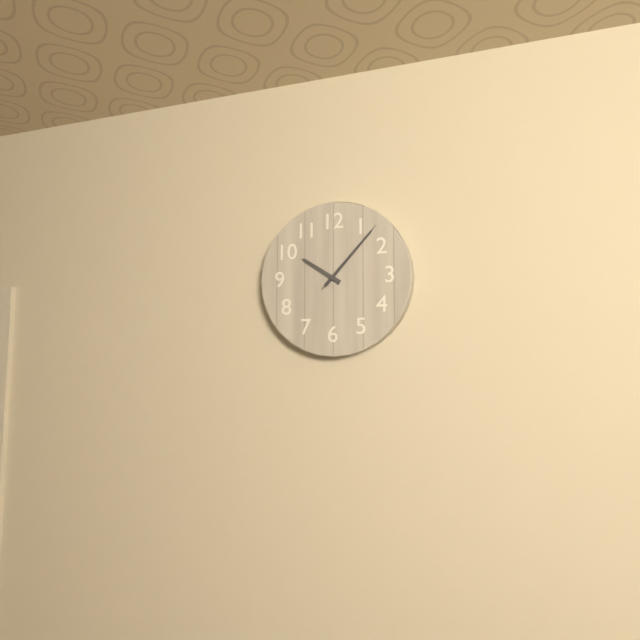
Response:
{"hour": 10, "minute": 7, "second": 7}
